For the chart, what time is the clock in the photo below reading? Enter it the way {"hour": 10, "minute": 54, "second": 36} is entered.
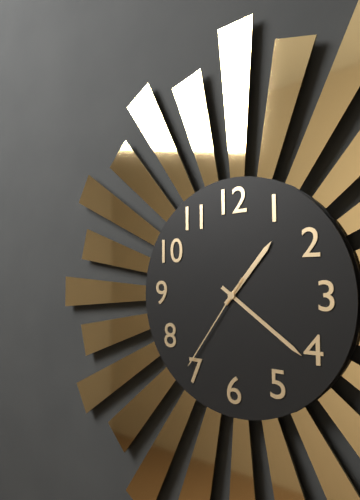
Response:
{"hour": 1, "minute": 21, "second": 36}
